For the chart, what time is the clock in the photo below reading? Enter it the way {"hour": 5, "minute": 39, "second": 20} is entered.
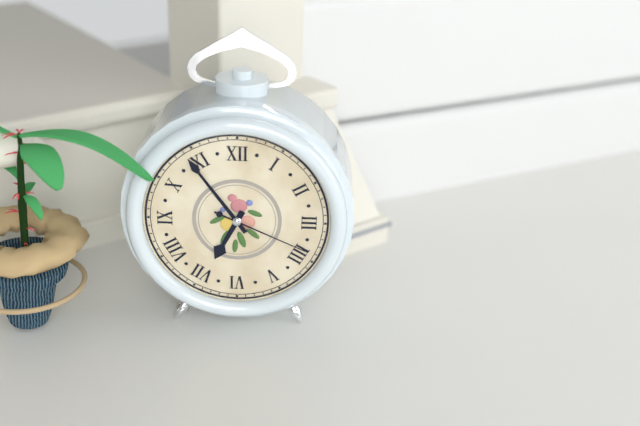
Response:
{"hour": 6, "minute": 54, "second": 19}
